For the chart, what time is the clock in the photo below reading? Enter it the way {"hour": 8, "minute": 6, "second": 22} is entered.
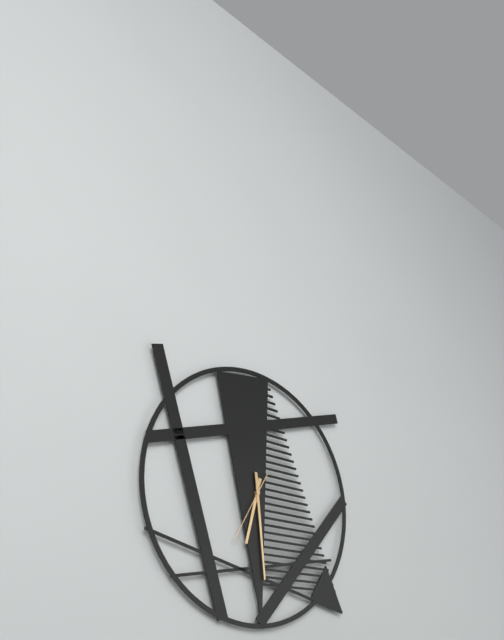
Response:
{"hour": 6, "minute": 29, "second": 35}
